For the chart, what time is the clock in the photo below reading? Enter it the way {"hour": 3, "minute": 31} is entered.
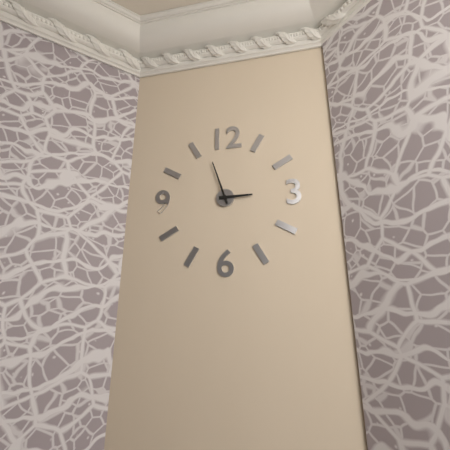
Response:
{"hour": 2, "minute": 57}
